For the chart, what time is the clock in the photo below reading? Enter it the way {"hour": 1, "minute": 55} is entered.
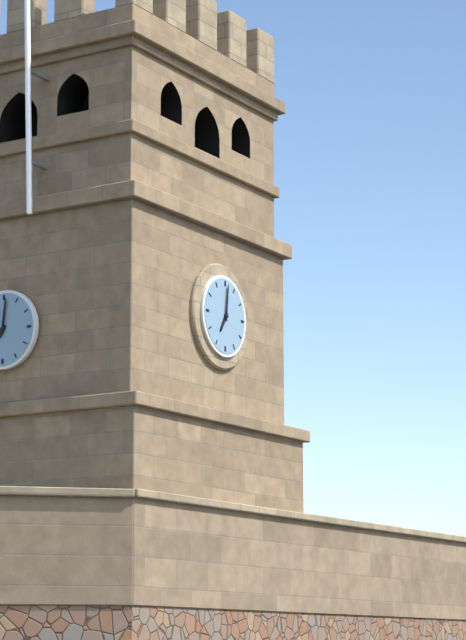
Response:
{"hour": 7, "minute": 1}
